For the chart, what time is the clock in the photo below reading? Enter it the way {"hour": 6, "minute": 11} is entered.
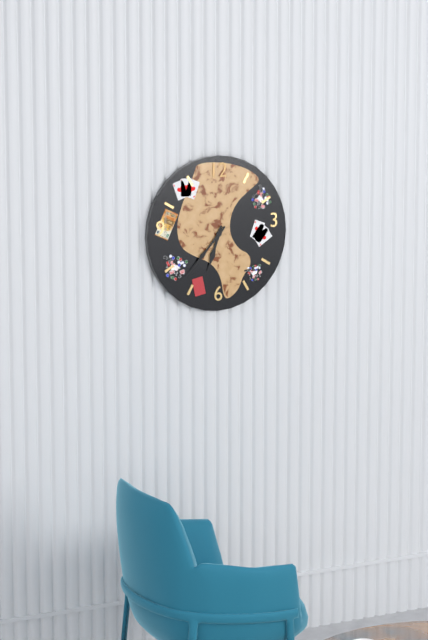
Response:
{"hour": 6, "minute": 37}
